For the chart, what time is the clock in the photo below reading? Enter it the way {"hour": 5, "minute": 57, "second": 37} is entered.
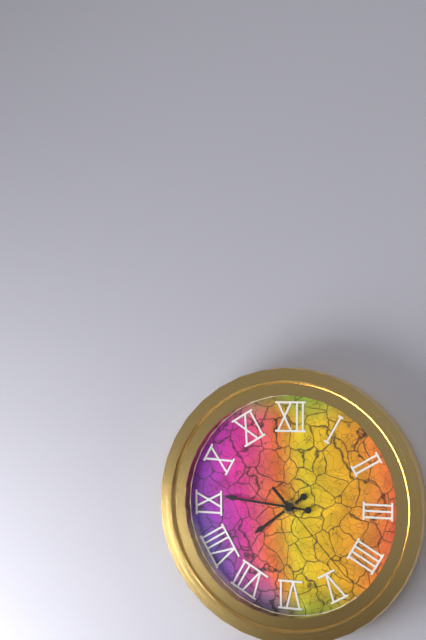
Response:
{"hour": 7, "minute": 46, "second": 23}
